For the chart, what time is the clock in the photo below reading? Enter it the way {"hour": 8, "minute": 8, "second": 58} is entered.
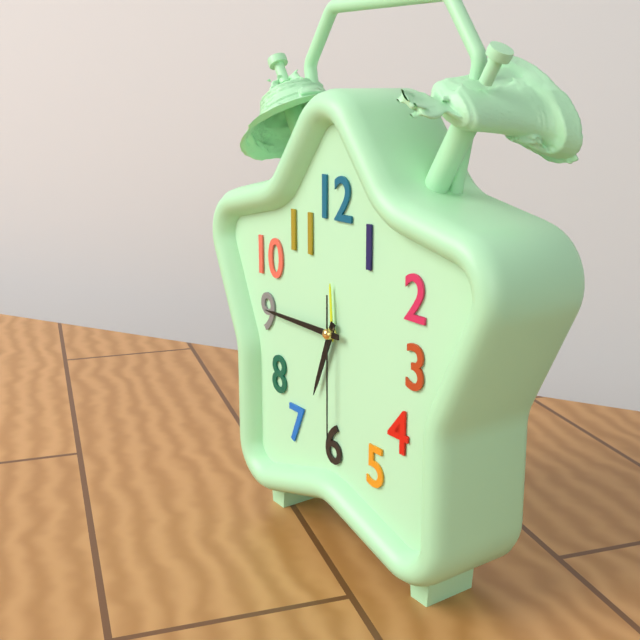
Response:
{"hour": 6, "minute": 45, "second": 30}
